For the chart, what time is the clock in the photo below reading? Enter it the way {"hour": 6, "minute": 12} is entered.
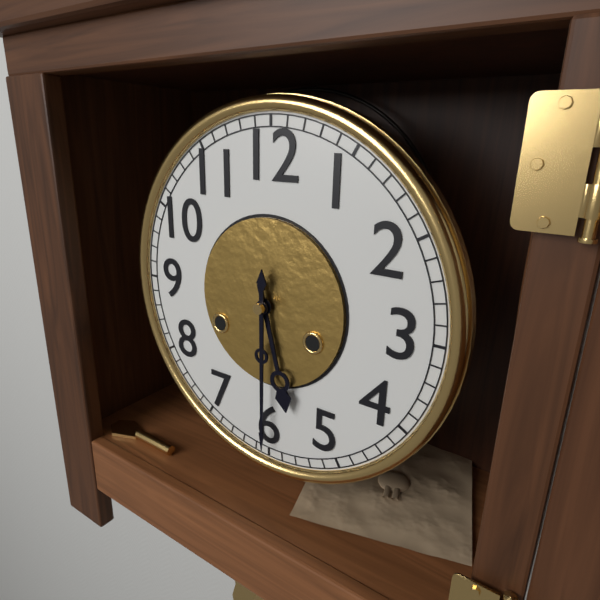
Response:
{"hour": 5, "minute": 30}
